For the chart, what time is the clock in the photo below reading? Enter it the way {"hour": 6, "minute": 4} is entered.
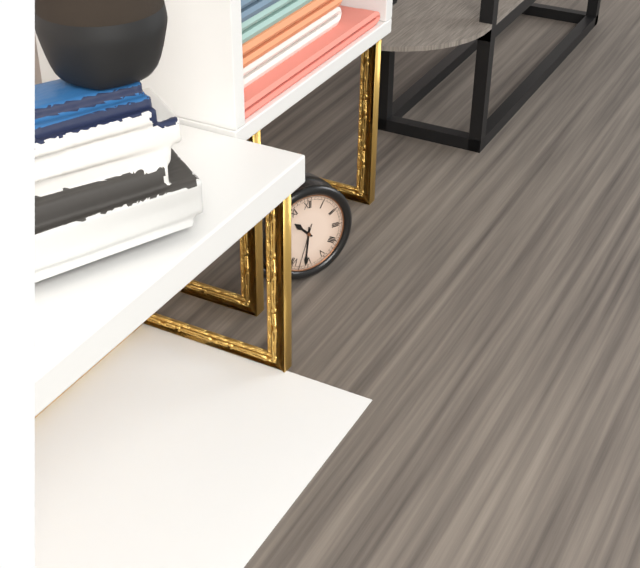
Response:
{"hour": 10, "minute": 31}
